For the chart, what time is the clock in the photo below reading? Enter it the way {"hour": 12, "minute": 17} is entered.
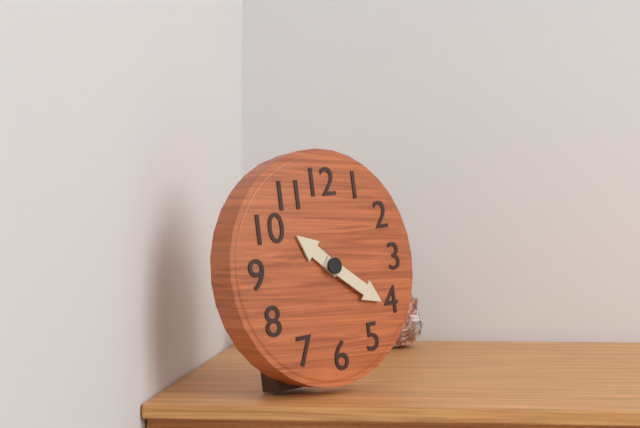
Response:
{"hour": 10, "minute": 21}
